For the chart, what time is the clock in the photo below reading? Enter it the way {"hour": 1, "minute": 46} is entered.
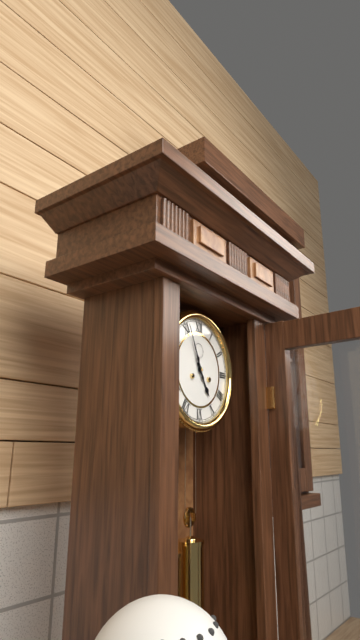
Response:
{"hour": 4, "minute": 56}
